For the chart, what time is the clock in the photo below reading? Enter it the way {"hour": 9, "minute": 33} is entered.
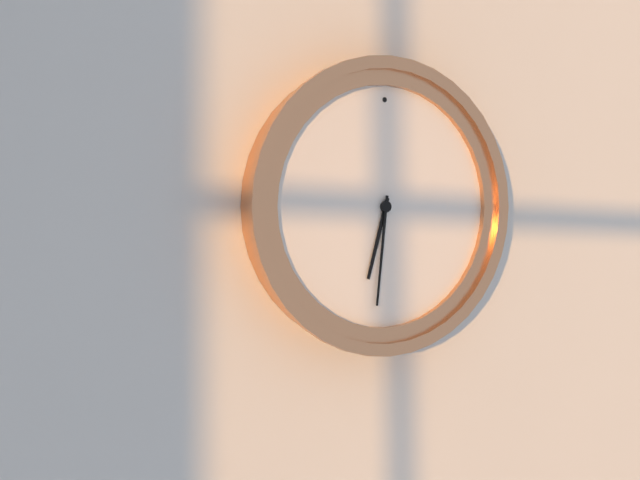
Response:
{"hour": 6, "minute": 31}
